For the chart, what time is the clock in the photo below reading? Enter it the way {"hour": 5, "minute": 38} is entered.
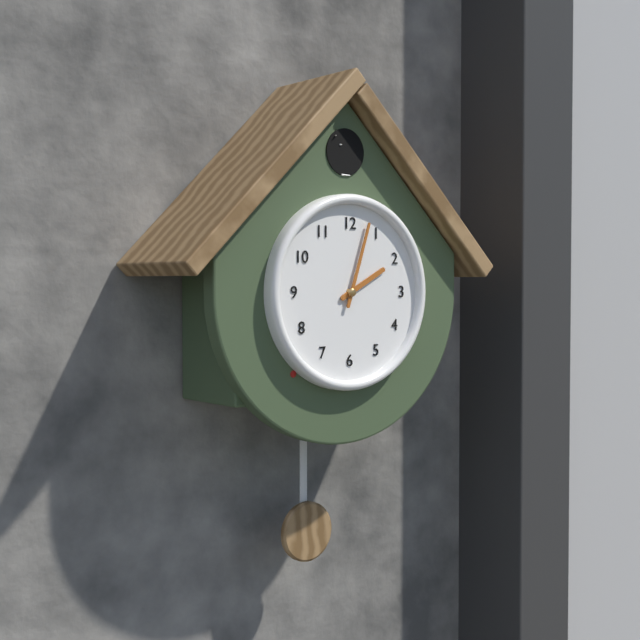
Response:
{"hour": 2, "minute": 3}
